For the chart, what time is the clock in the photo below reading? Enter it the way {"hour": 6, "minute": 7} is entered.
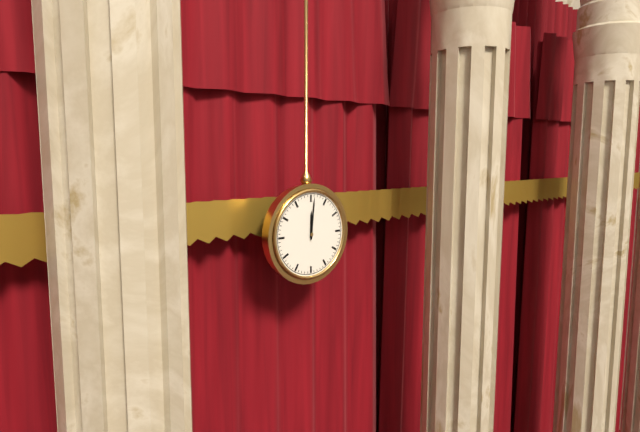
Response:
{"hour": 12, "minute": 1}
